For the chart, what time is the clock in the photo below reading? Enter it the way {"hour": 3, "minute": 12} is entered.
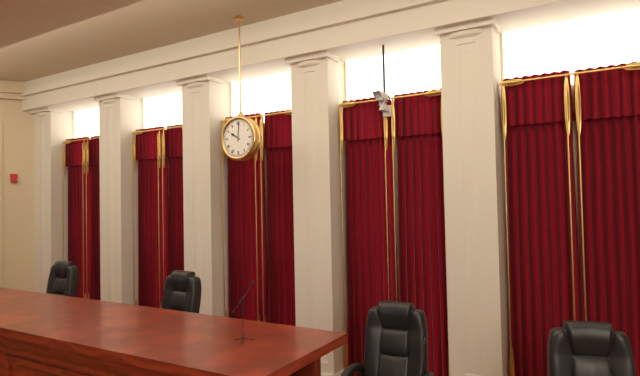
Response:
{"hour": 10, "minute": 1}
